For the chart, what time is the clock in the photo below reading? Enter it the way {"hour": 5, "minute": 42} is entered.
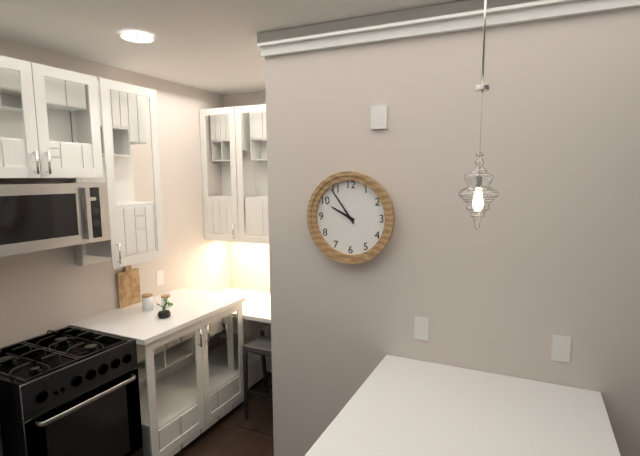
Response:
{"hour": 9, "minute": 54}
